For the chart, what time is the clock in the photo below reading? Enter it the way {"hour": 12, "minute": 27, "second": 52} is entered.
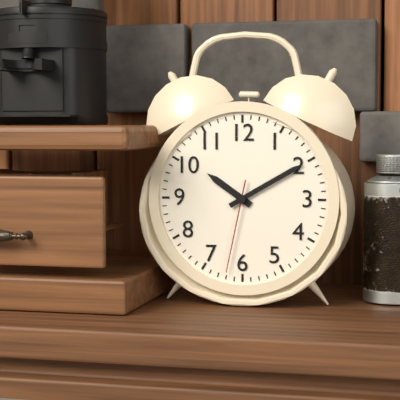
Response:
{"hour": 10, "minute": 10, "second": 32}
